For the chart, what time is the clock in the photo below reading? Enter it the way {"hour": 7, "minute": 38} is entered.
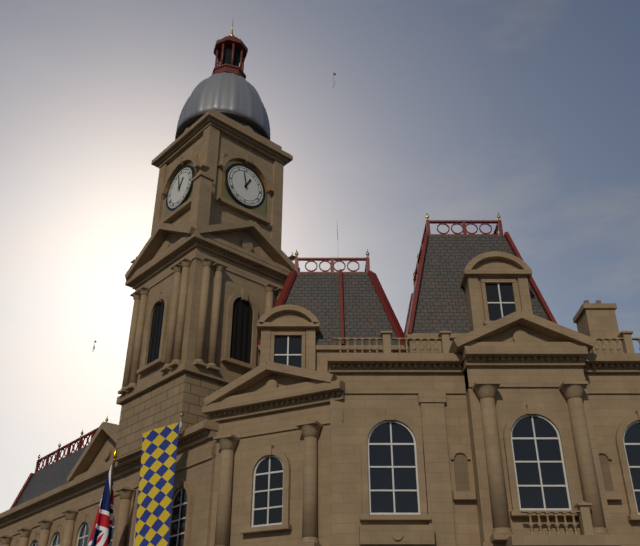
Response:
{"hour": 12, "minute": 58}
